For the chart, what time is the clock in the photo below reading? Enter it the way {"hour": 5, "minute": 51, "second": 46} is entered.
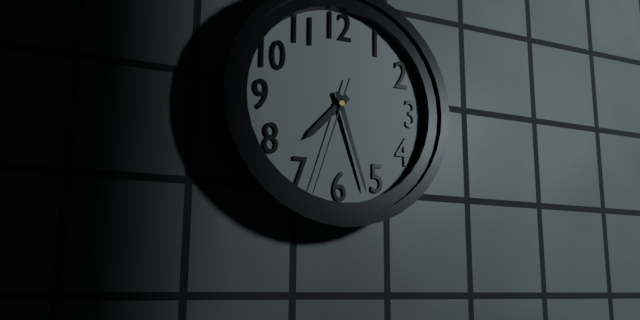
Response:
{"hour": 7, "minute": 27, "second": 33}
